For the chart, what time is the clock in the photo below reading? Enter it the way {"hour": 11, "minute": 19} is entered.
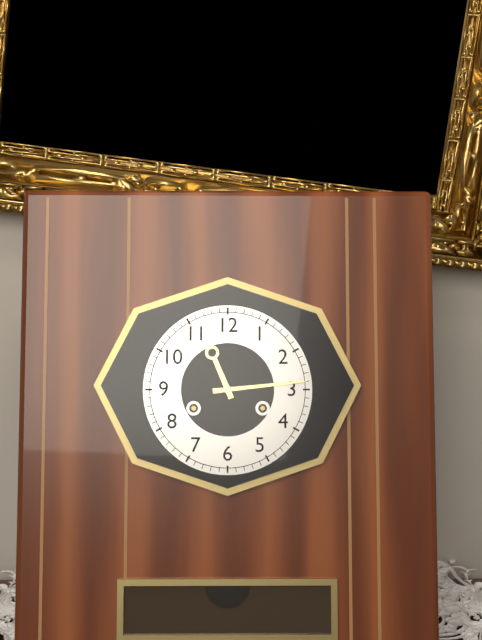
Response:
{"hour": 11, "minute": 14}
